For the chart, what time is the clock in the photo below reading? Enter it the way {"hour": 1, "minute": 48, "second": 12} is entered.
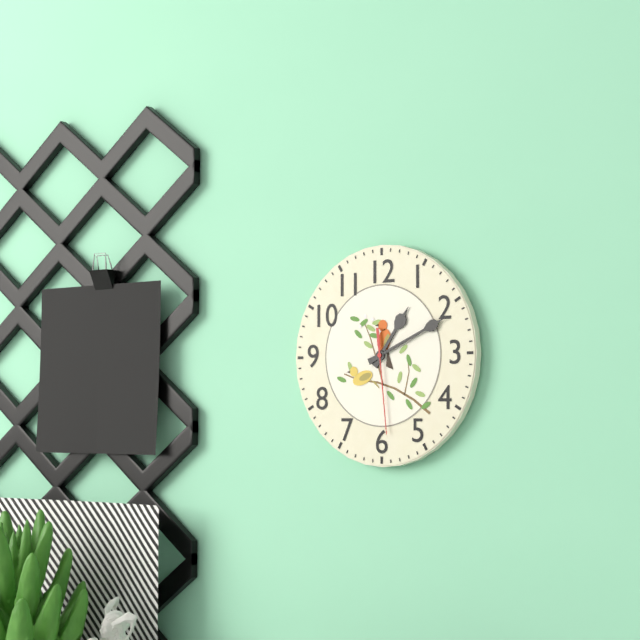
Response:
{"hour": 1, "minute": 11, "second": 29}
